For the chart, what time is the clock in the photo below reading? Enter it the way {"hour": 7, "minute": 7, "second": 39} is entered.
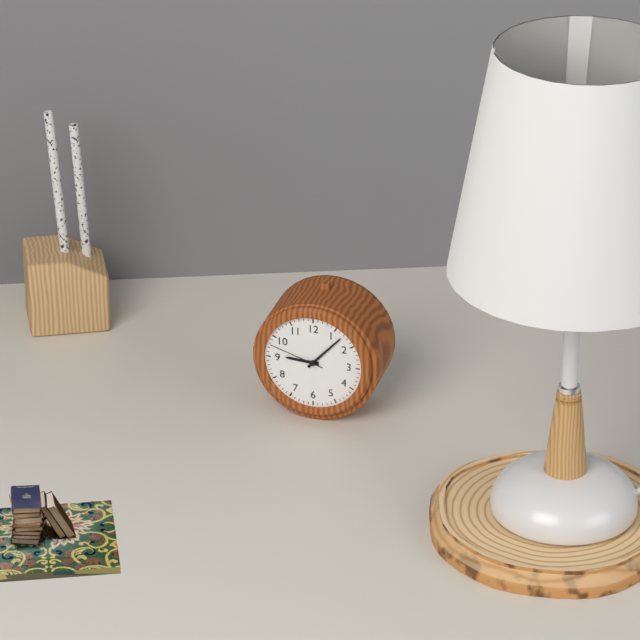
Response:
{"hour": 9, "minute": 7, "second": 48}
